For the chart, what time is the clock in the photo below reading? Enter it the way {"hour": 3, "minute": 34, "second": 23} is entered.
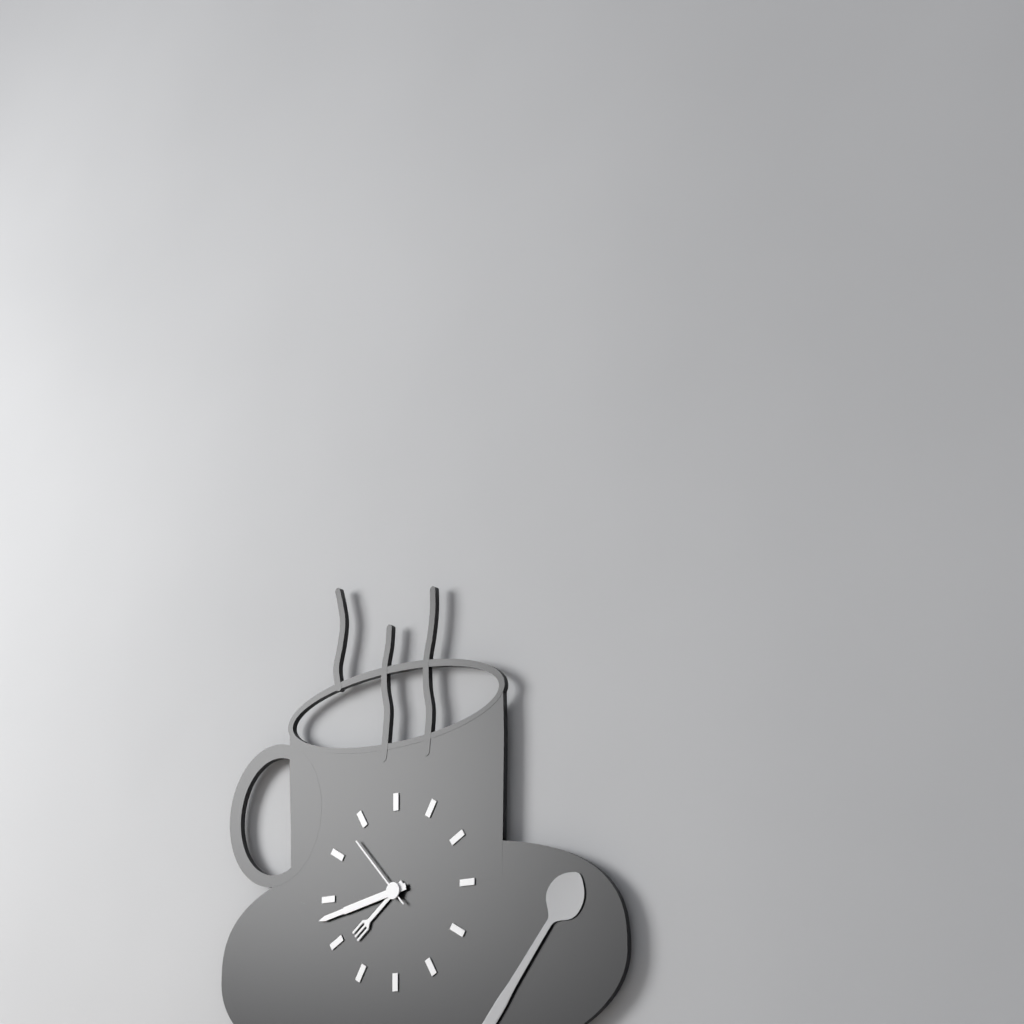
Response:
{"hour": 7, "minute": 43, "second": 53}
